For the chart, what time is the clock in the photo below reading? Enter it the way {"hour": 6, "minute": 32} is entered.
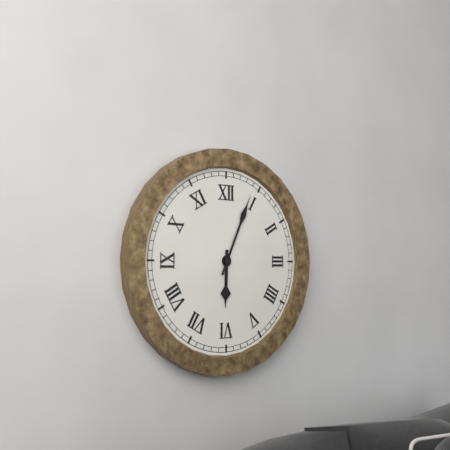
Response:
{"hour": 6, "minute": 4}
